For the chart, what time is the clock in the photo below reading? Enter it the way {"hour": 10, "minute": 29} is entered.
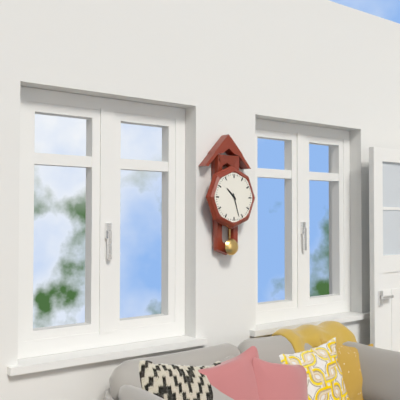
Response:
{"hour": 10, "minute": 27}
